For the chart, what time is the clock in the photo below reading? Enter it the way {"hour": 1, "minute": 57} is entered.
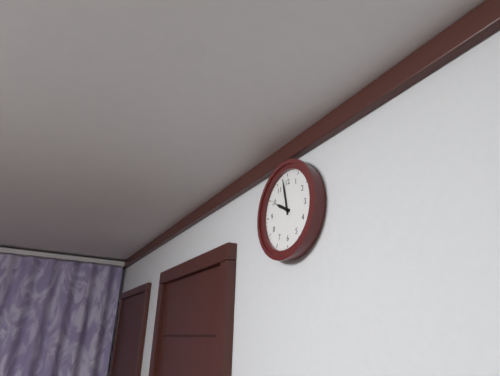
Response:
{"hour": 9, "minute": 58}
